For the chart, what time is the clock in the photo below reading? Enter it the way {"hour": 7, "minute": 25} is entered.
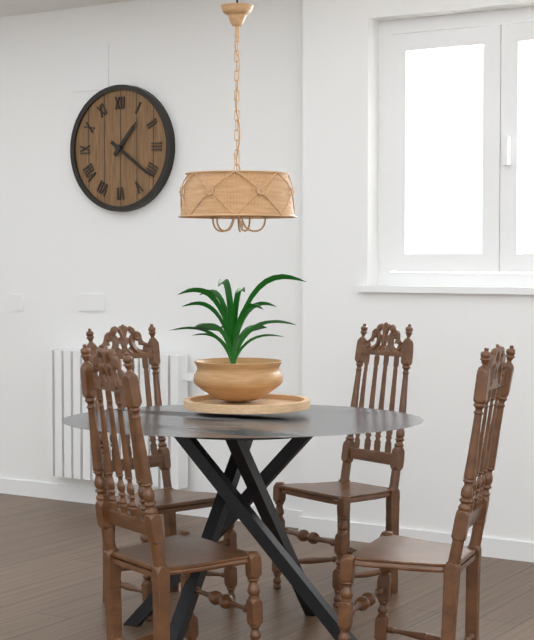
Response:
{"hour": 1, "minute": 21}
